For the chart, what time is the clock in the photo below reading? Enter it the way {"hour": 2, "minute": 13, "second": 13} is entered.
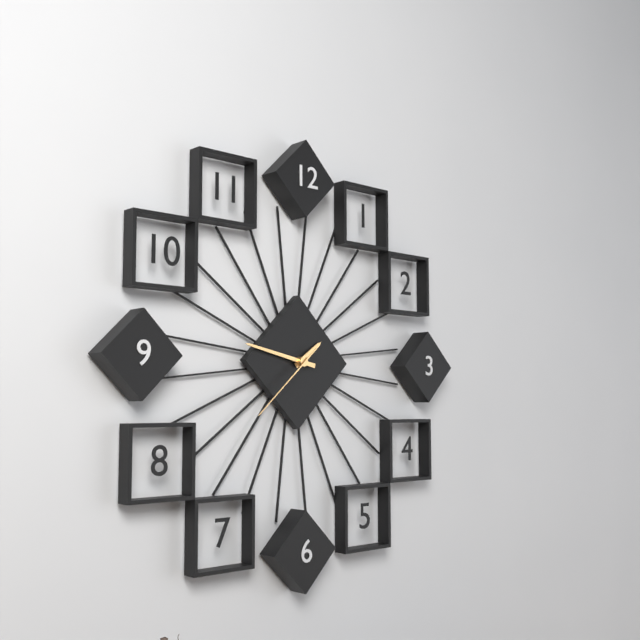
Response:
{"hour": 1, "minute": 47, "second": 38}
